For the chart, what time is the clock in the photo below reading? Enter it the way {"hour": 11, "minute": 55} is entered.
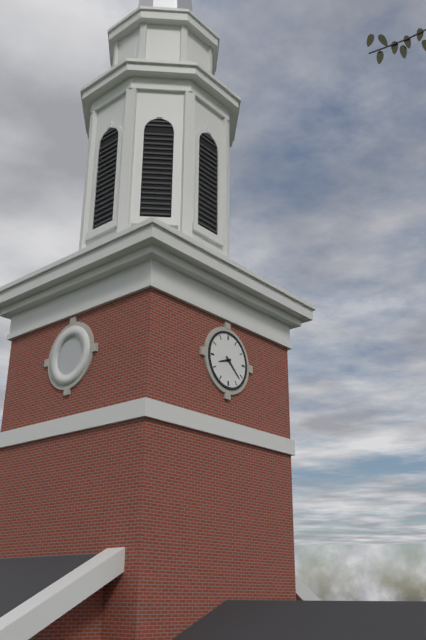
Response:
{"hour": 8, "minute": 22}
